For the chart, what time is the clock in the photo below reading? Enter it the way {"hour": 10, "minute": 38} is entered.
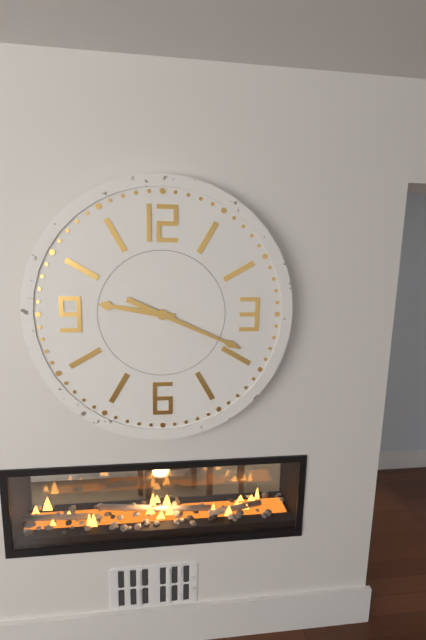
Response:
{"hour": 9, "minute": 19}
